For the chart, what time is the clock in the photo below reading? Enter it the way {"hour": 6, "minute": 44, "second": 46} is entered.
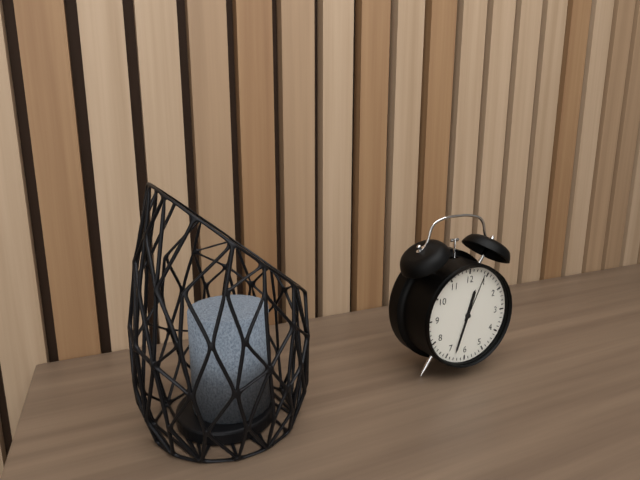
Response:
{"hour": 12, "minute": 33, "second": 4}
